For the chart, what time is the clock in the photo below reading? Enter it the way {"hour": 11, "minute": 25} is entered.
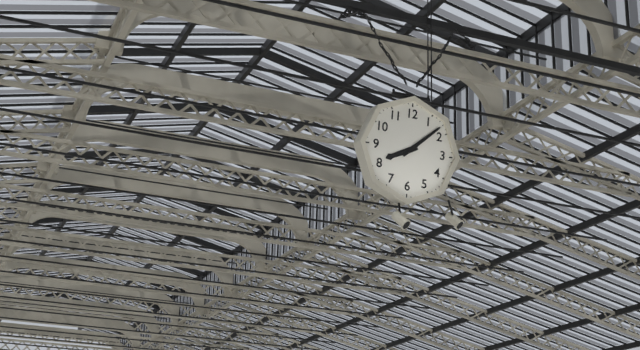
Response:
{"hour": 8, "minute": 8}
